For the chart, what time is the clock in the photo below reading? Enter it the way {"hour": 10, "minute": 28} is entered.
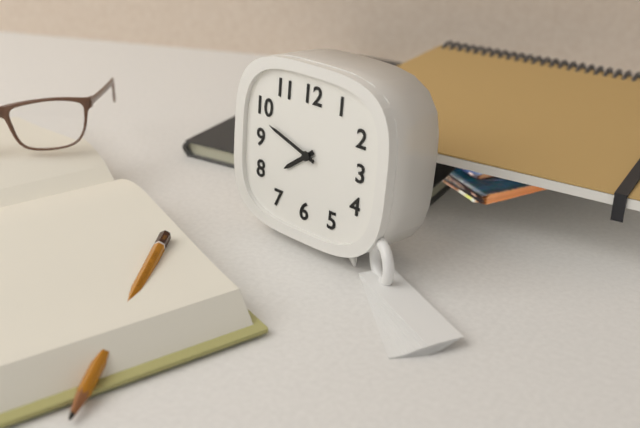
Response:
{"hour": 7, "minute": 48}
